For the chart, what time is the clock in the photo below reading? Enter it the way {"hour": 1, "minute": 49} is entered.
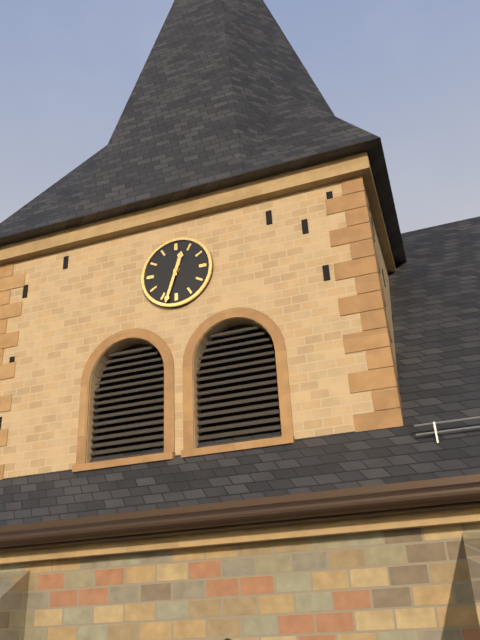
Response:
{"hour": 12, "minute": 33}
